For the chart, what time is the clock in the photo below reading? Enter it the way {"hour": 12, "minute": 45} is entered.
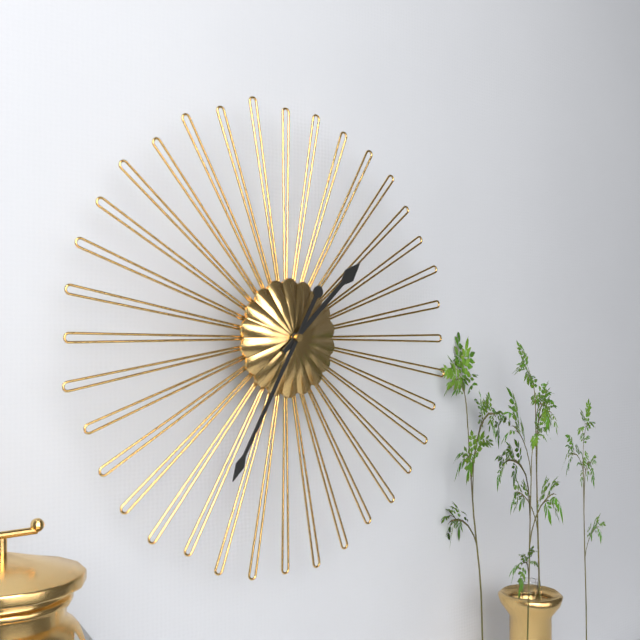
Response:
{"hour": 1, "minute": 35}
